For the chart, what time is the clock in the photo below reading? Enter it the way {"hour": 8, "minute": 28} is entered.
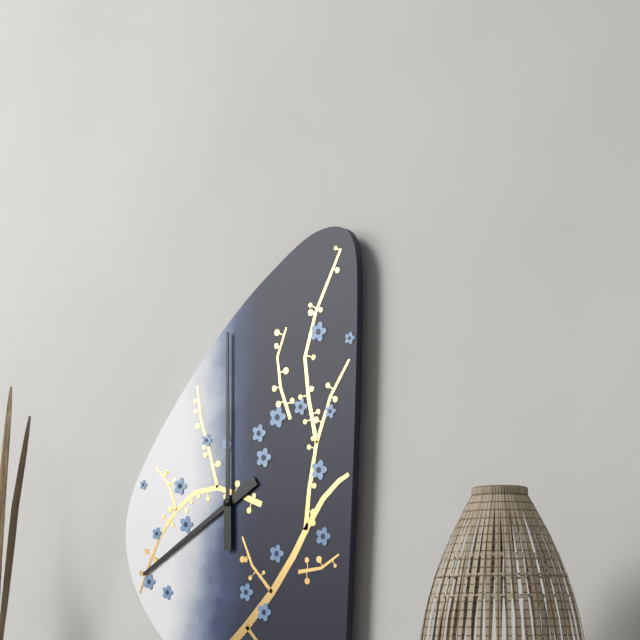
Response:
{"hour": 8, "minute": 0}
